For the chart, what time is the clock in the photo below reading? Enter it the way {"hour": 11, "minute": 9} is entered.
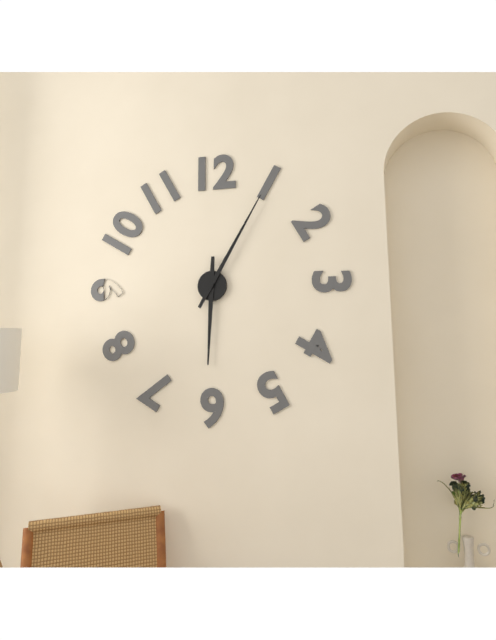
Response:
{"hour": 6, "minute": 5}
